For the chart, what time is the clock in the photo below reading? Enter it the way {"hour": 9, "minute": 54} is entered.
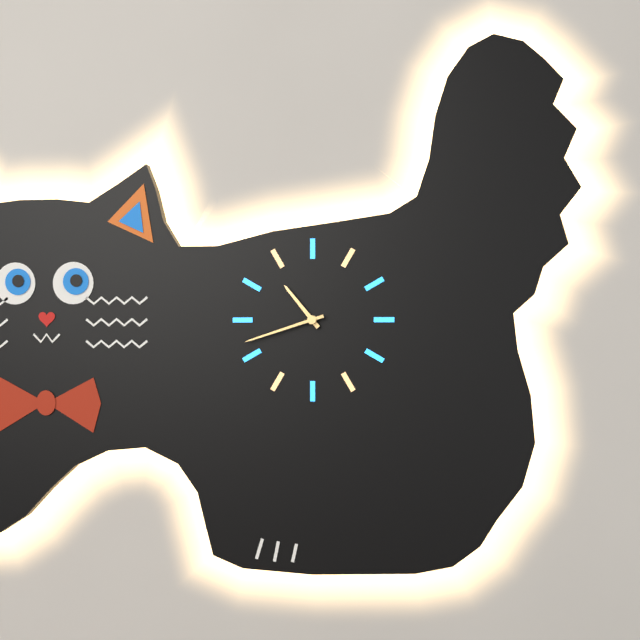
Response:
{"hour": 10, "minute": 42}
